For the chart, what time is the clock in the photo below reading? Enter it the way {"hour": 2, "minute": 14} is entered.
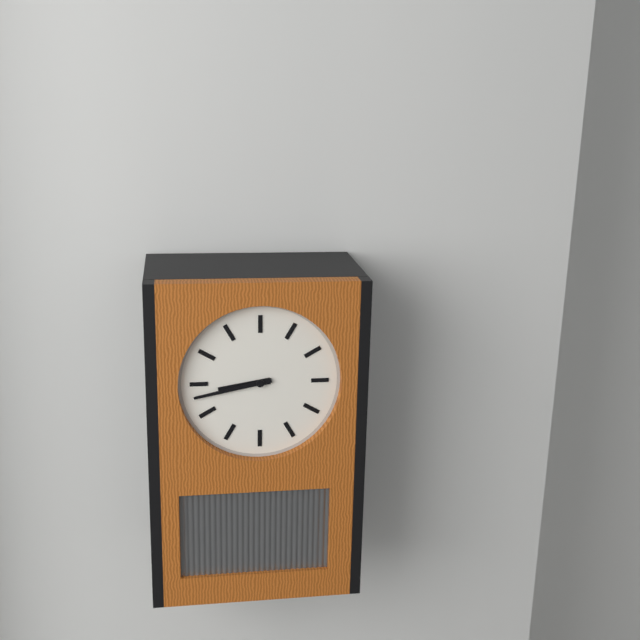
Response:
{"hour": 8, "minute": 43}
